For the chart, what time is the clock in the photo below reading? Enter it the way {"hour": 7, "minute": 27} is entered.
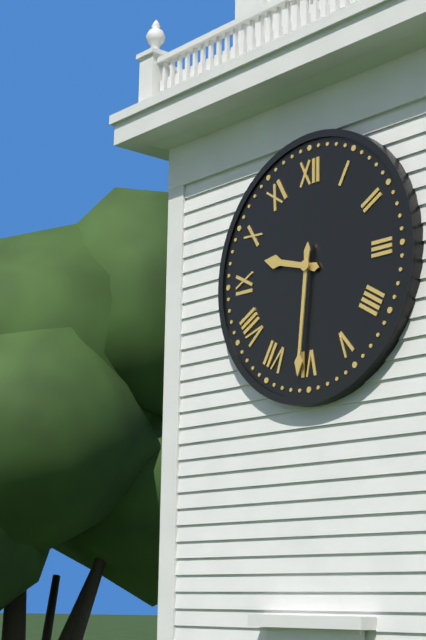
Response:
{"hour": 9, "minute": 31}
